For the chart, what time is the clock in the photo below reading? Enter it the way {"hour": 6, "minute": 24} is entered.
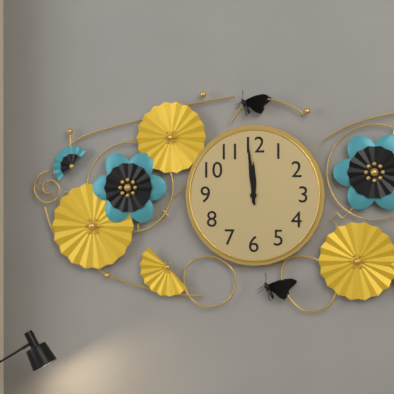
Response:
{"hour": 11, "minute": 59}
